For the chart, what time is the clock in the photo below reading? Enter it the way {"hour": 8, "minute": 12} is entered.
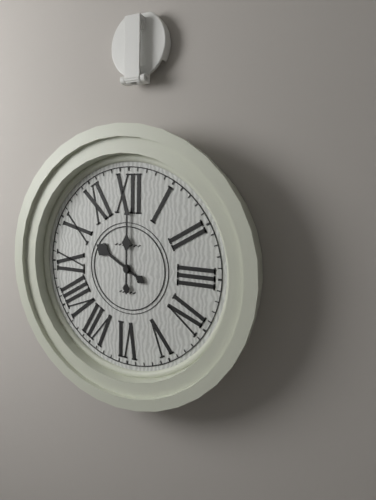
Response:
{"hour": 10, "minute": 0}
